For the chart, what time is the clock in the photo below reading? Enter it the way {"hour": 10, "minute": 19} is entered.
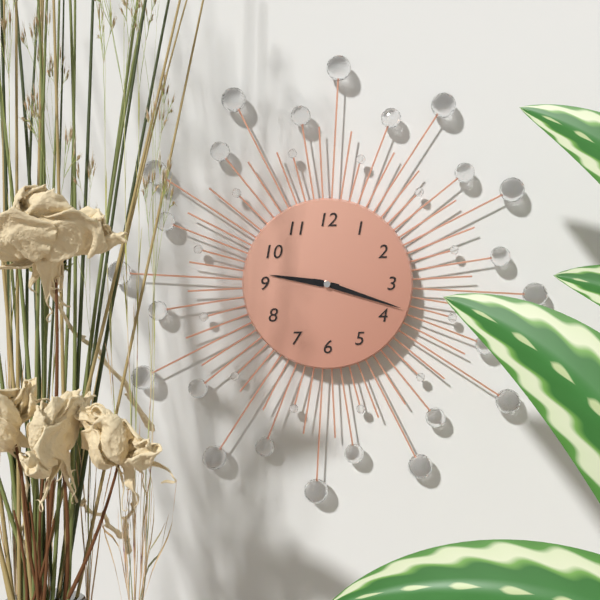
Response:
{"hour": 9, "minute": 18}
